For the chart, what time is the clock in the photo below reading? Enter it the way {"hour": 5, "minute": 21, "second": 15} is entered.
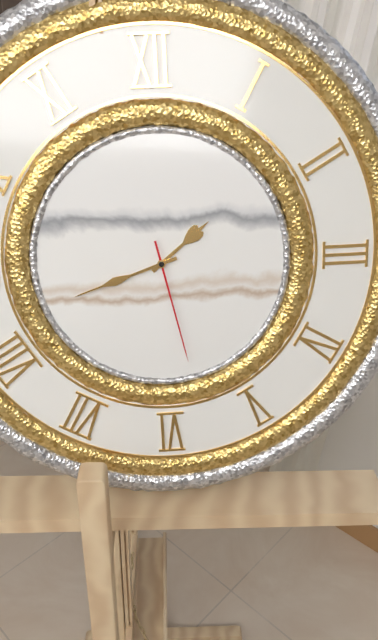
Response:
{"hour": 1, "minute": 42, "second": 28}
